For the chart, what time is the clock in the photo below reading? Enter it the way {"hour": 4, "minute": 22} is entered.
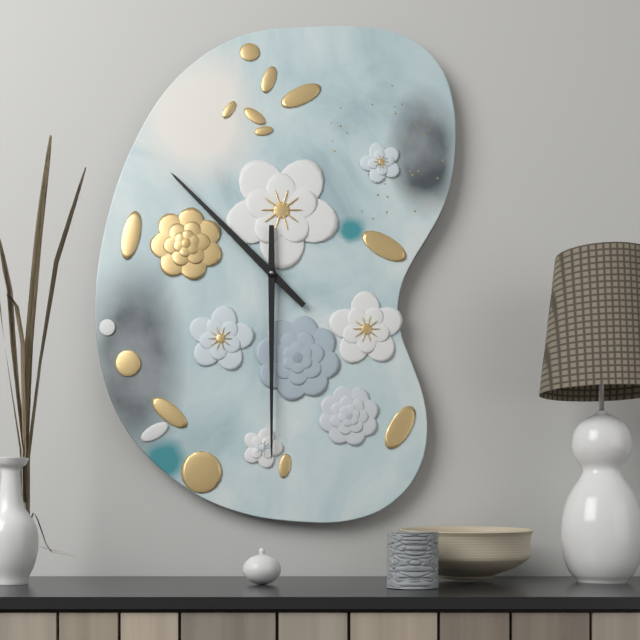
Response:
{"hour": 10, "minute": 30}
